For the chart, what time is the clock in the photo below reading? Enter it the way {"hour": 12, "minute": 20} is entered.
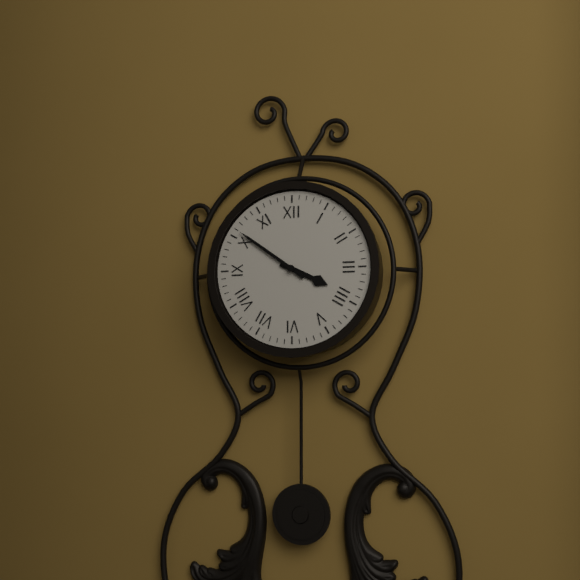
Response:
{"hour": 3, "minute": 51}
